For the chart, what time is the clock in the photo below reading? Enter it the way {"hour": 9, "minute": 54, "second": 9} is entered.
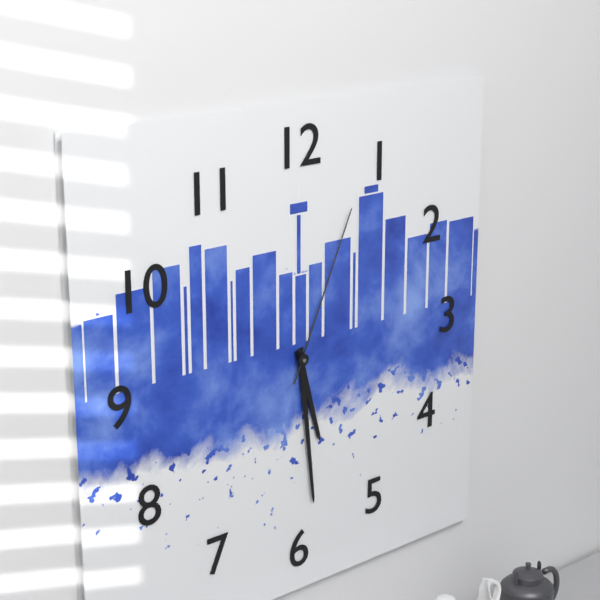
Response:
{"hour": 5, "minute": 29, "second": 4}
